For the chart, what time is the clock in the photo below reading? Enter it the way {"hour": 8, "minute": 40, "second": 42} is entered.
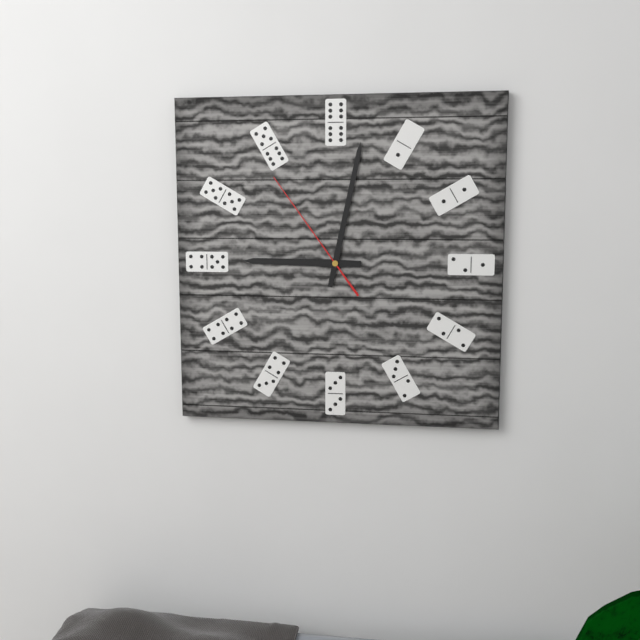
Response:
{"hour": 9, "minute": 2, "second": 54}
